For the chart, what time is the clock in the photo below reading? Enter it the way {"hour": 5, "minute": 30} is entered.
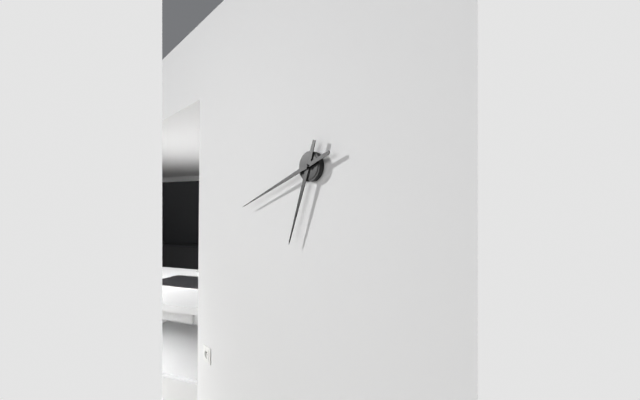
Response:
{"hour": 6, "minute": 42}
